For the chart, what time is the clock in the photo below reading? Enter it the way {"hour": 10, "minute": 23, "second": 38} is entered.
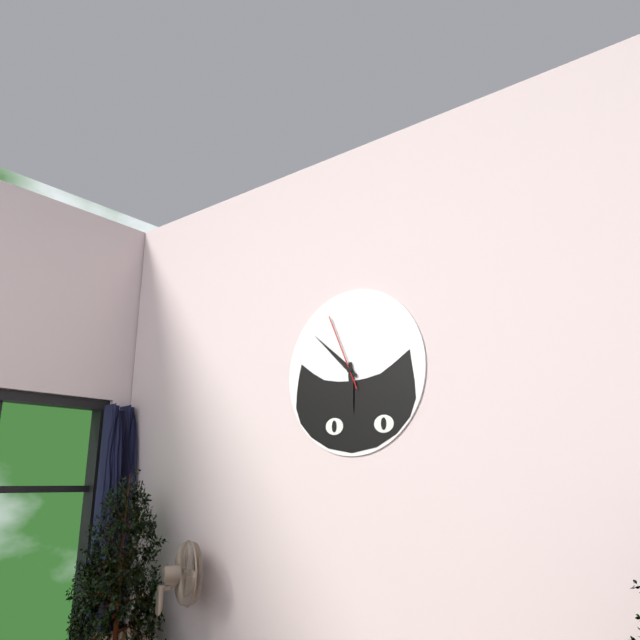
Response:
{"hour": 5, "minute": 52, "second": 56}
